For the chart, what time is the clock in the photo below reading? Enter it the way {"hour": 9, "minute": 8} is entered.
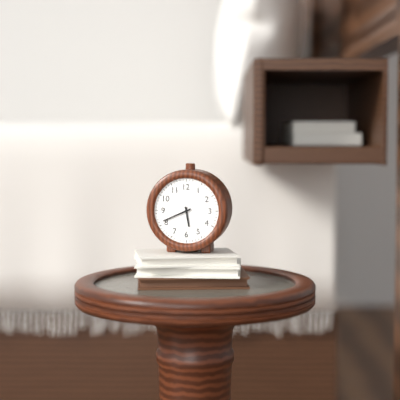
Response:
{"hour": 5, "minute": 41}
